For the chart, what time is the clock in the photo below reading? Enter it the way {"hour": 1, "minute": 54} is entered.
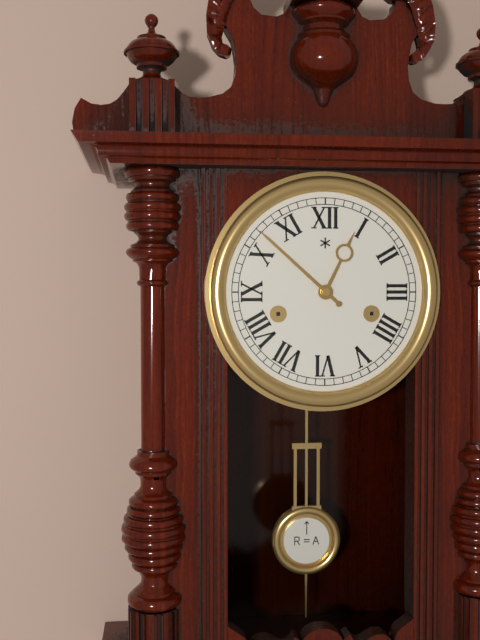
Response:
{"hour": 12, "minute": 52}
